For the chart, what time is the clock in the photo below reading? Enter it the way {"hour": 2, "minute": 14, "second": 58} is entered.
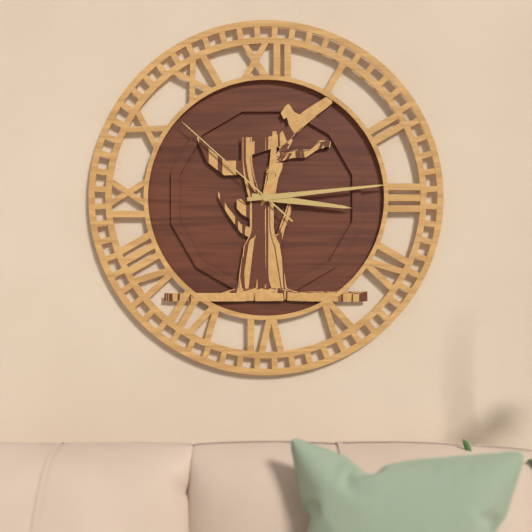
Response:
{"hour": 3, "minute": 14, "second": 52}
